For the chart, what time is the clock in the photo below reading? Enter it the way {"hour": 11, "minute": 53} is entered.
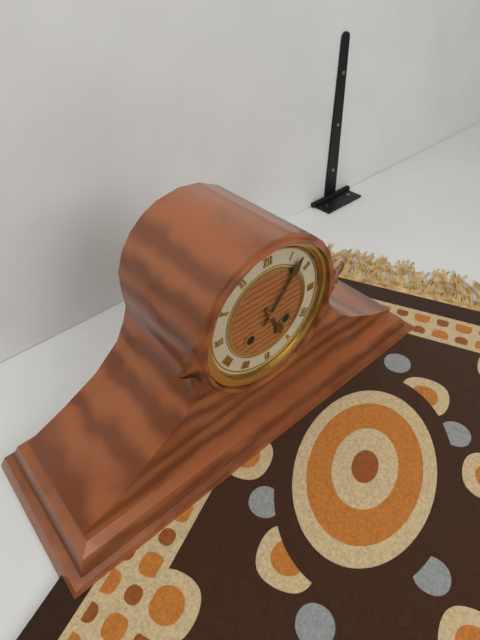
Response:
{"hour": 5, "minute": 7}
